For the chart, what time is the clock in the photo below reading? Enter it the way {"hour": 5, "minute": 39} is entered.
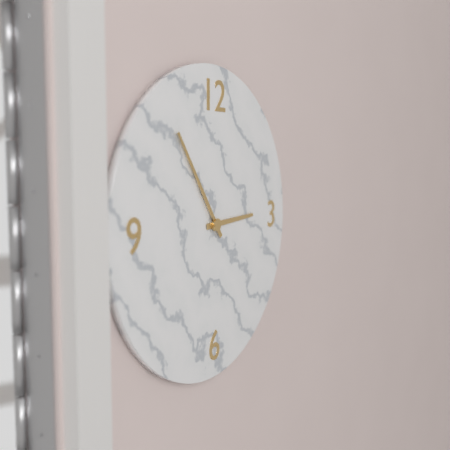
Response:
{"hour": 2, "minute": 54}
